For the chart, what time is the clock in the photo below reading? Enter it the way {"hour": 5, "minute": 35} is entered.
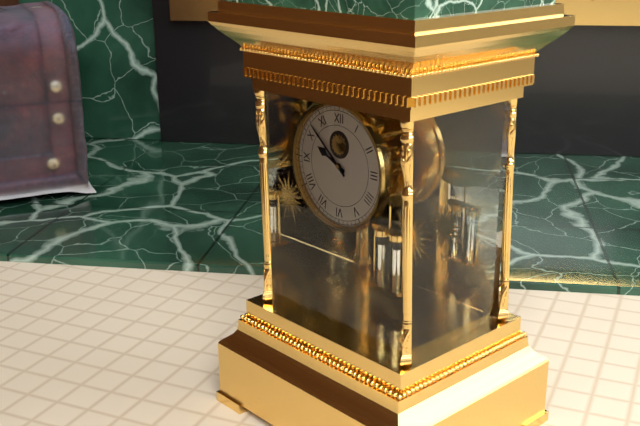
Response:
{"hour": 9, "minute": 52}
